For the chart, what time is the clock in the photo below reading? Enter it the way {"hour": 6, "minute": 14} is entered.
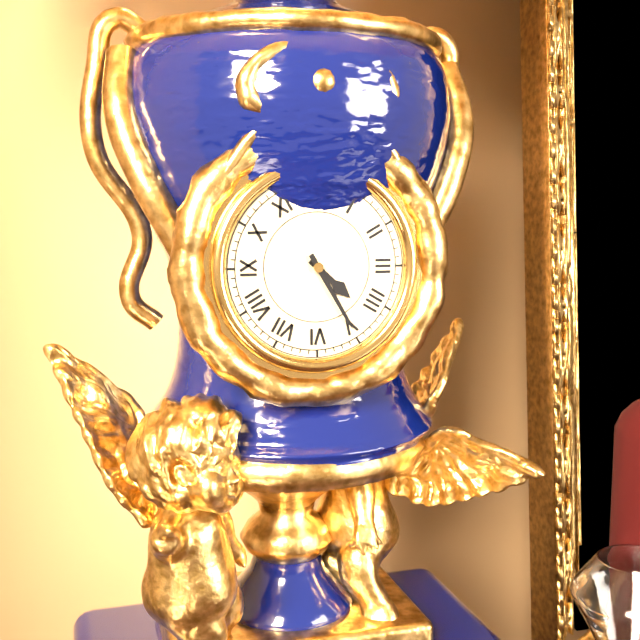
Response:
{"hour": 4, "minute": 25}
